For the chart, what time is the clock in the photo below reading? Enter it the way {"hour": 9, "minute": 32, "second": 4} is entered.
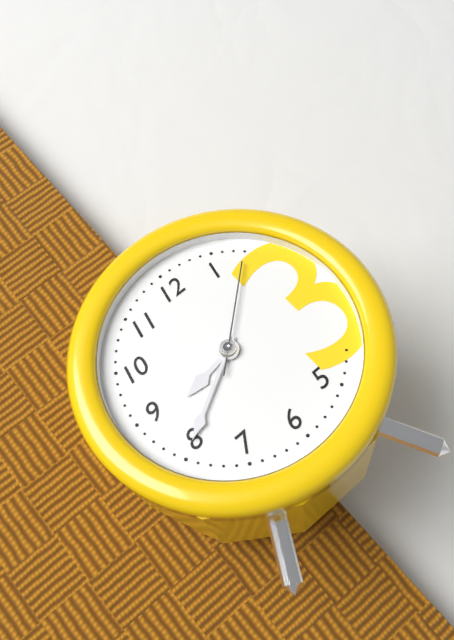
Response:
{"hour": 8, "minute": 40, "second": 8}
